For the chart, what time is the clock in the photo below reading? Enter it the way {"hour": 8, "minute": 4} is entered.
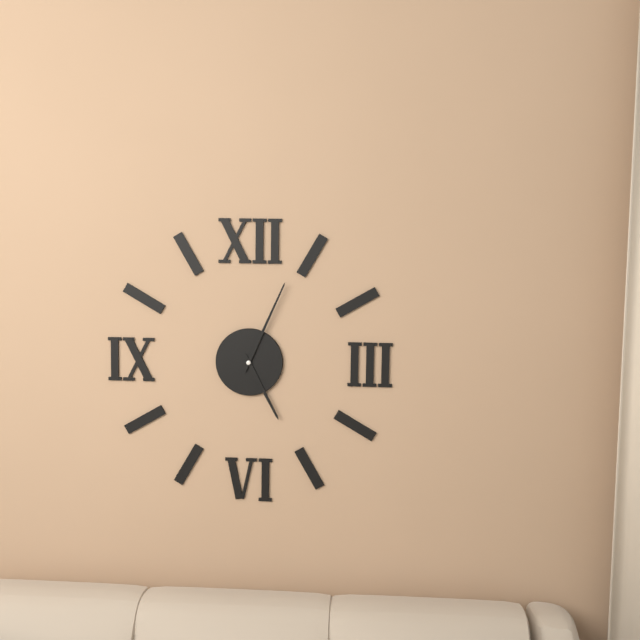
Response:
{"hour": 5, "minute": 4}
